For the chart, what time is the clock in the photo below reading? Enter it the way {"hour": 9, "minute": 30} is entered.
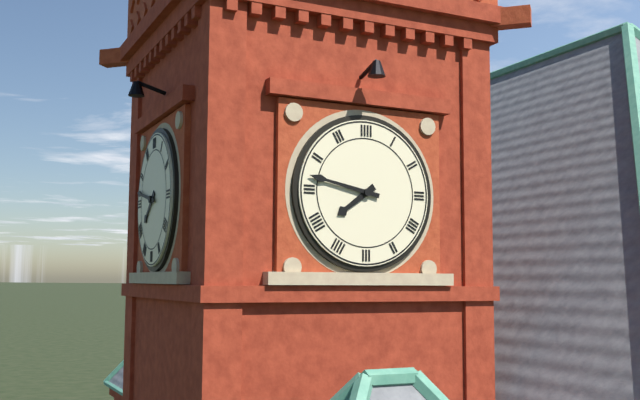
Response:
{"hour": 7, "minute": 47}
